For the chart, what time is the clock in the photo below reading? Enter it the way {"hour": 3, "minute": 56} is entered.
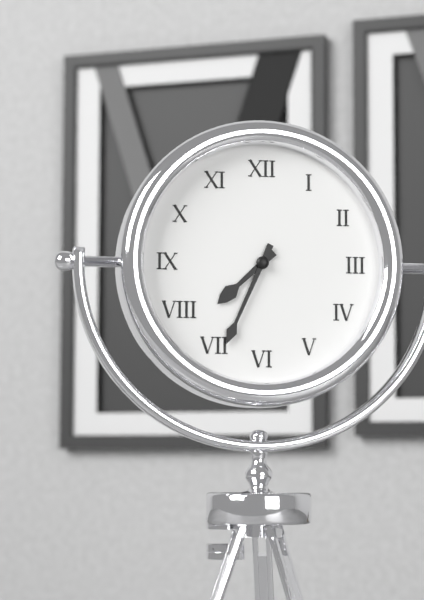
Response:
{"hour": 7, "minute": 34}
